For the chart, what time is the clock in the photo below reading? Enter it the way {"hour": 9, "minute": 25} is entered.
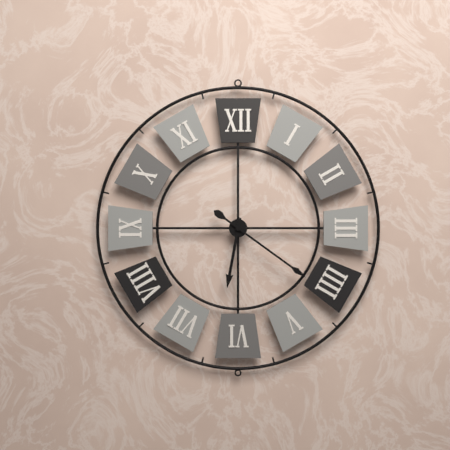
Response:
{"hour": 6, "minute": 21}
